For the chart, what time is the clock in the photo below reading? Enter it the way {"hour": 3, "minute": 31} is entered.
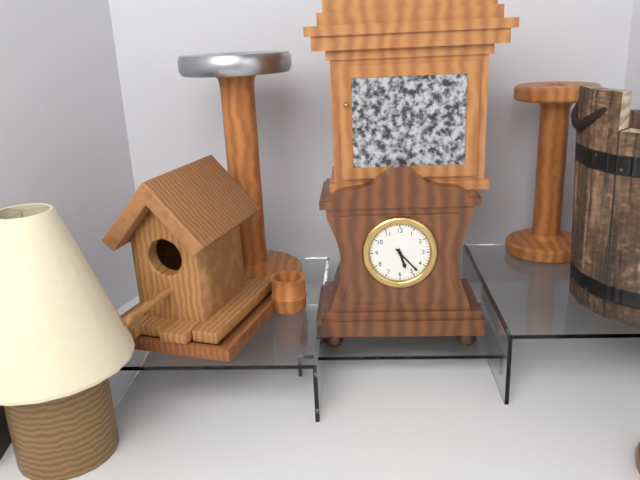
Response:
{"hour": 5, "minute": 23}
